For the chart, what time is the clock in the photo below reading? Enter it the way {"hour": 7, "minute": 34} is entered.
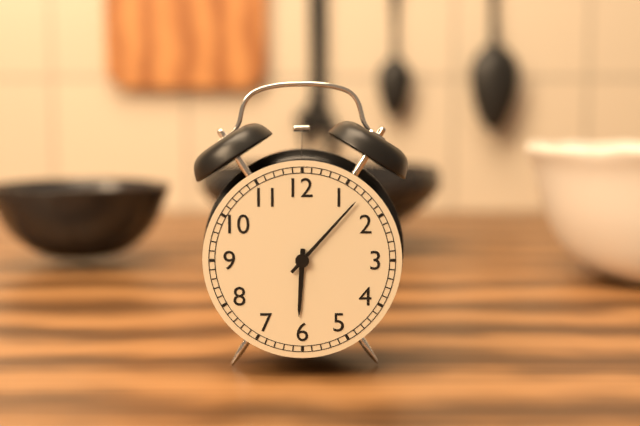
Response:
{"hour": 6, "minute": 7}
